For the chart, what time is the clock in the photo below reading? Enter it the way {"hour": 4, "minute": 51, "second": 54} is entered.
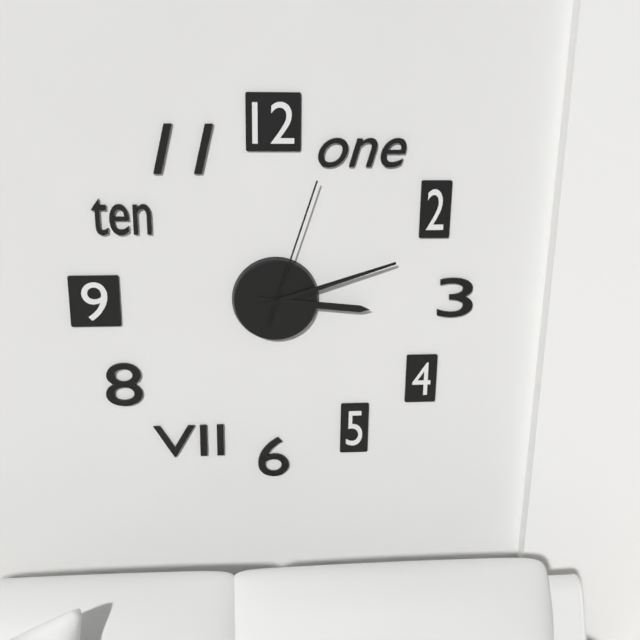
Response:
{"hour": 3, "minute": 12, "second": 3}
